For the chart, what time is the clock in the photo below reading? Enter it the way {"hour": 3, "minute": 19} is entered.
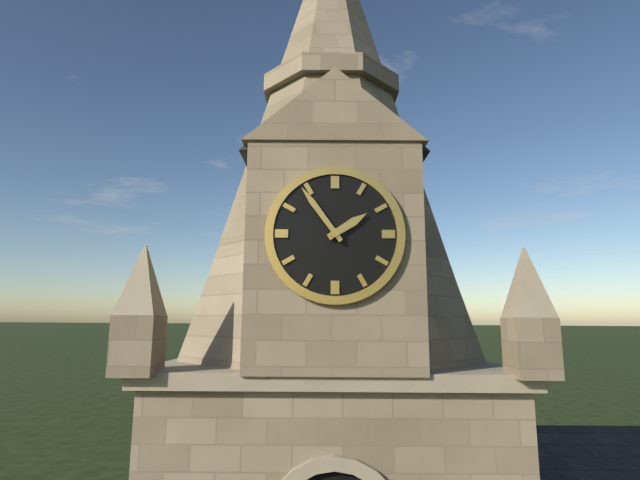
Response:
{"hour": 1, "minute": 54}
